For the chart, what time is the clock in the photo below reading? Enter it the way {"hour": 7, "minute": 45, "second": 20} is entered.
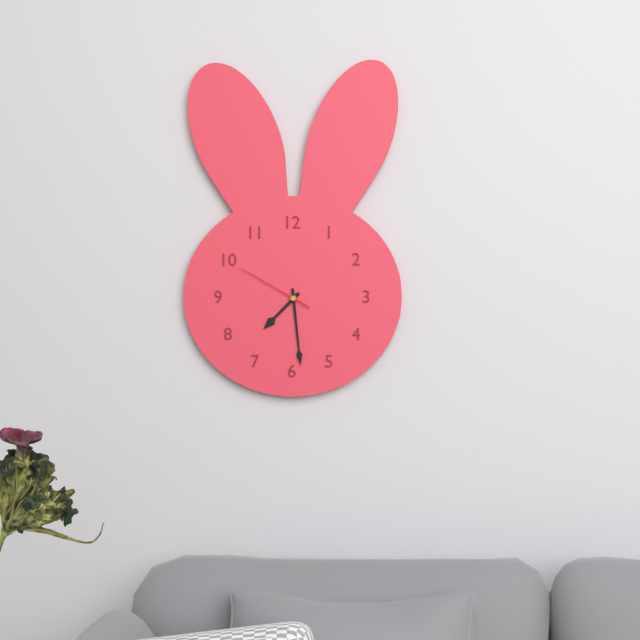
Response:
{"hour": 7, "minute": 29, "second": 50}
